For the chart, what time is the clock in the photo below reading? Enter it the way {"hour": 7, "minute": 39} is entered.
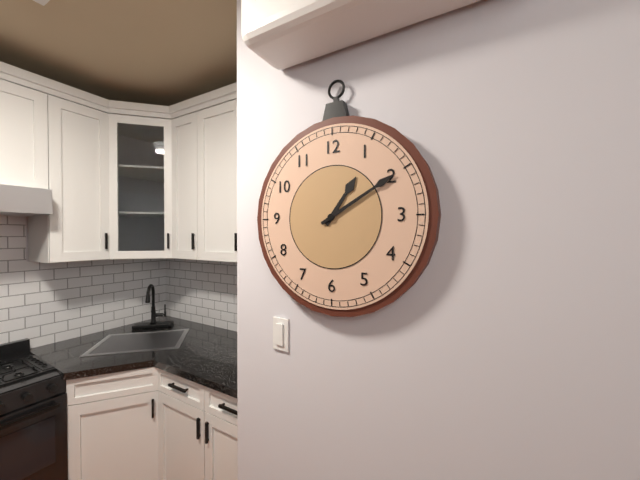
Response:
{"hour": 1, "minute": 10}
